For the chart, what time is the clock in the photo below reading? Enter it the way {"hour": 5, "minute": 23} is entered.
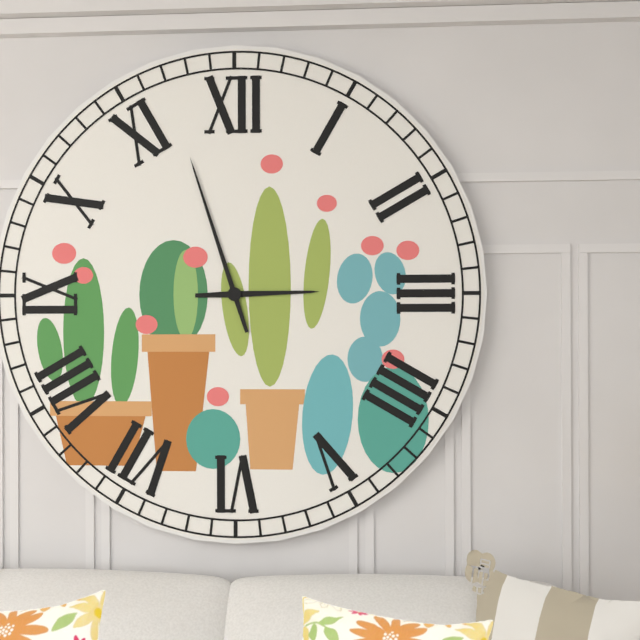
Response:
{"hour": 2, "minute": 57}
